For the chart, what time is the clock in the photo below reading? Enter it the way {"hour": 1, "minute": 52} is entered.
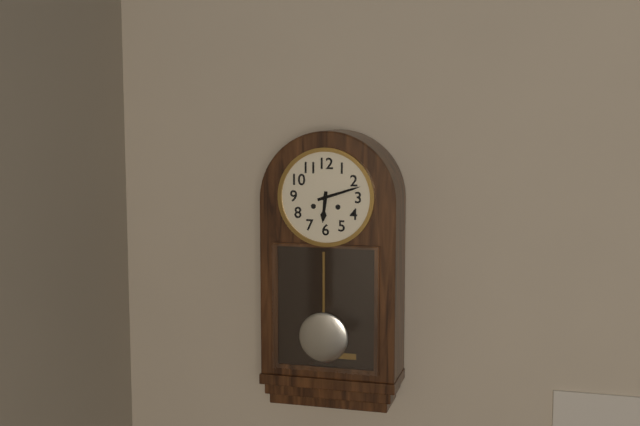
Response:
{"hour": 6, "minute": 12}
